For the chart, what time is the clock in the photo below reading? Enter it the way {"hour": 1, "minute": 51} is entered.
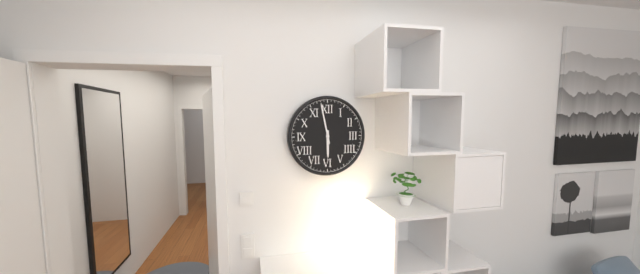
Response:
{"hour": 5, "minute": 58}
